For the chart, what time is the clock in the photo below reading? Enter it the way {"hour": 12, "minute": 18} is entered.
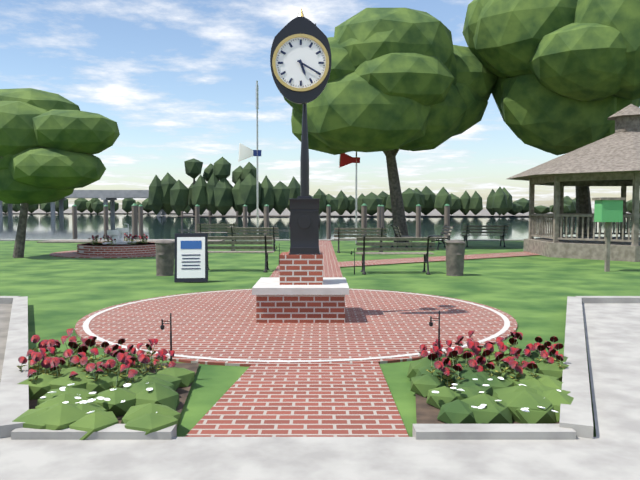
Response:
{"hour": 5, "minute": 20}
